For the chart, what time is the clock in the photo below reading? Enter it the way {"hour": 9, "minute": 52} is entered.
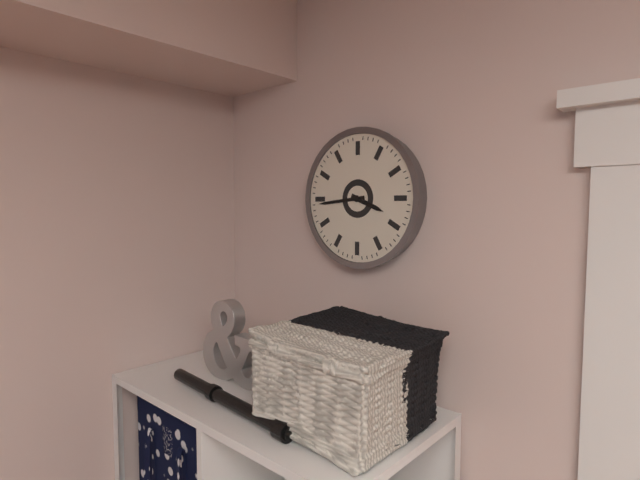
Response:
{"hour": 3, "minute": 44}
